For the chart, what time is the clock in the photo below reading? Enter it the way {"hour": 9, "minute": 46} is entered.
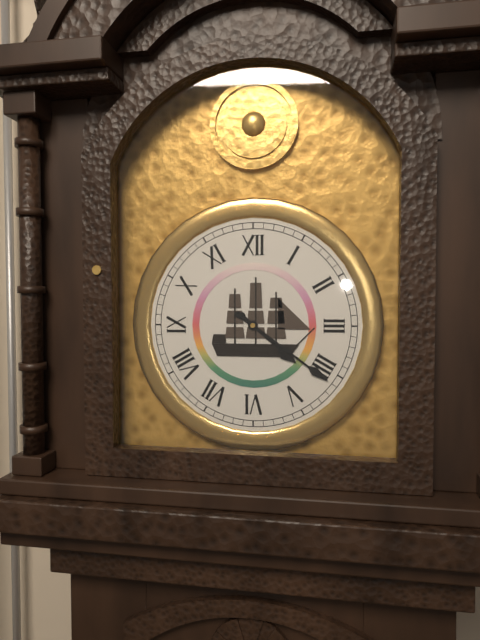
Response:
{"hour": 4, "minute": 21}
